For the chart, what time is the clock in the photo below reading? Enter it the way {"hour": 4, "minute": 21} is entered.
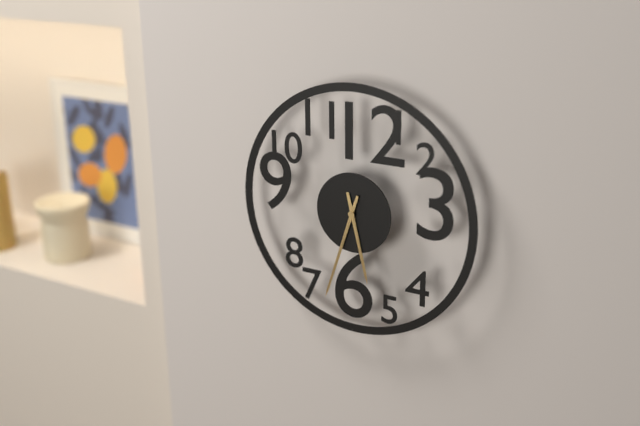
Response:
{"hour": 5, "minute": 33}
